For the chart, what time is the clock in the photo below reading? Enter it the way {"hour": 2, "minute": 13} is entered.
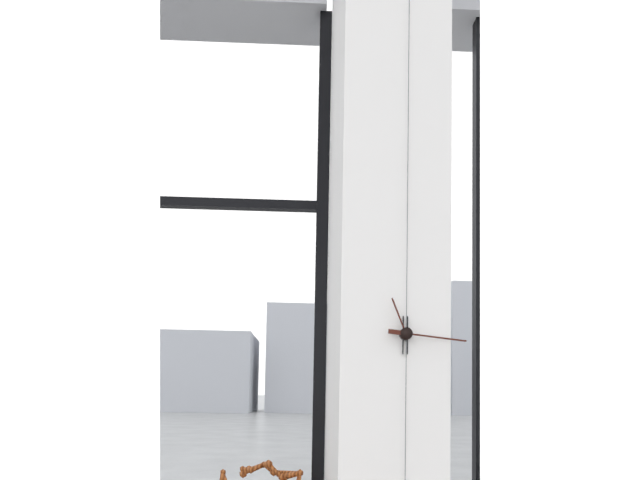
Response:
{"hour": 11, "minute": 16}
